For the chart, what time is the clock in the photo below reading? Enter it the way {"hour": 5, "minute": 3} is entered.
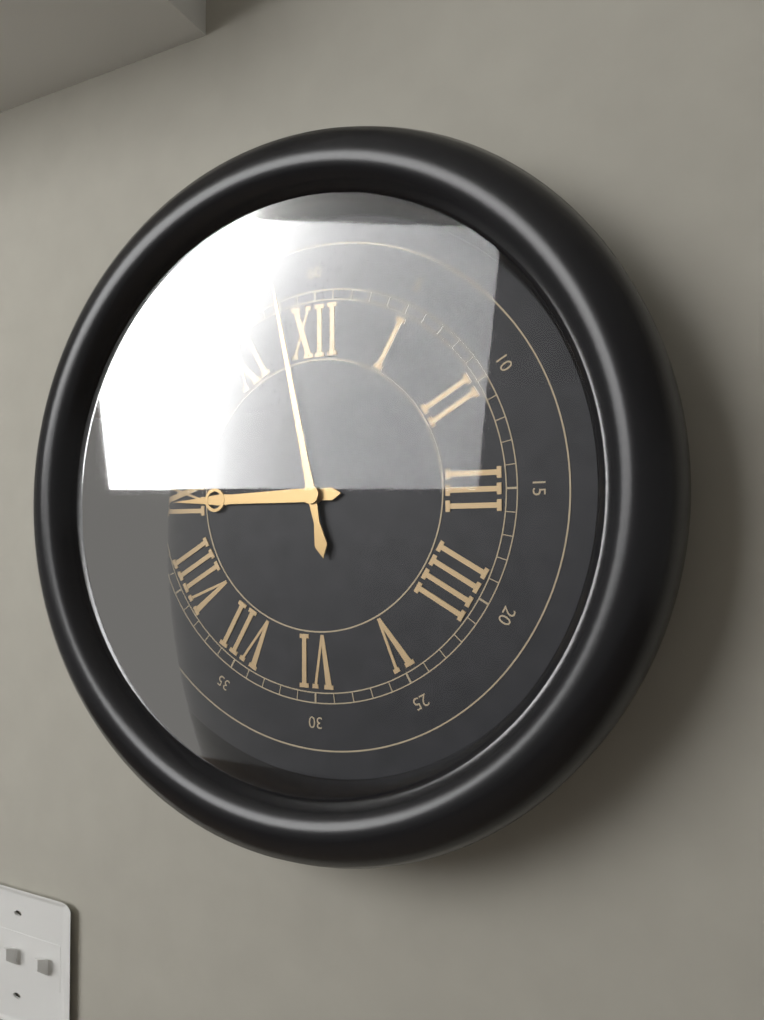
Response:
{"hour": 8, "minute": 58}
